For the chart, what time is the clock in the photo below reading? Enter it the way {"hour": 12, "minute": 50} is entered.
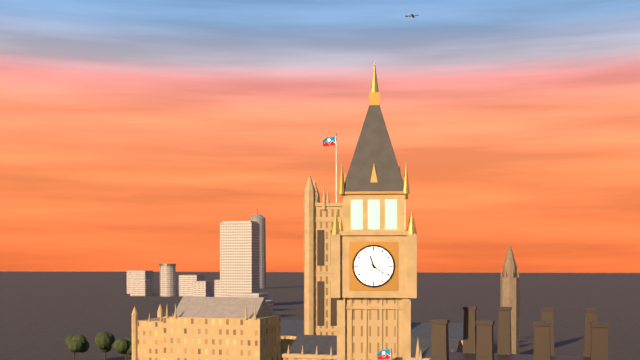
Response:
{"hour": 11, "minute": 21}
